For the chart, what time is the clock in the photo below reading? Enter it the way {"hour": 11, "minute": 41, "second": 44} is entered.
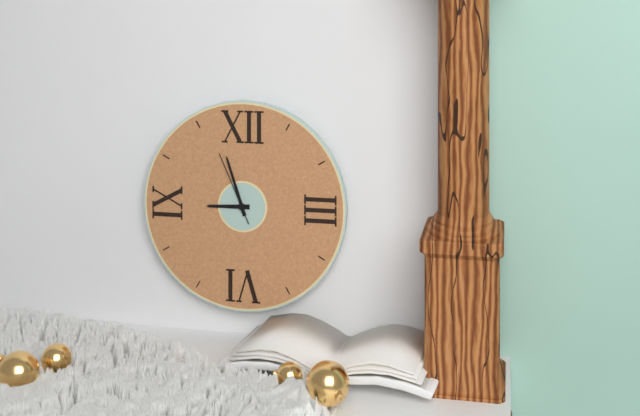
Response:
{"hour": 8, "minute": 57, "second": 56}
